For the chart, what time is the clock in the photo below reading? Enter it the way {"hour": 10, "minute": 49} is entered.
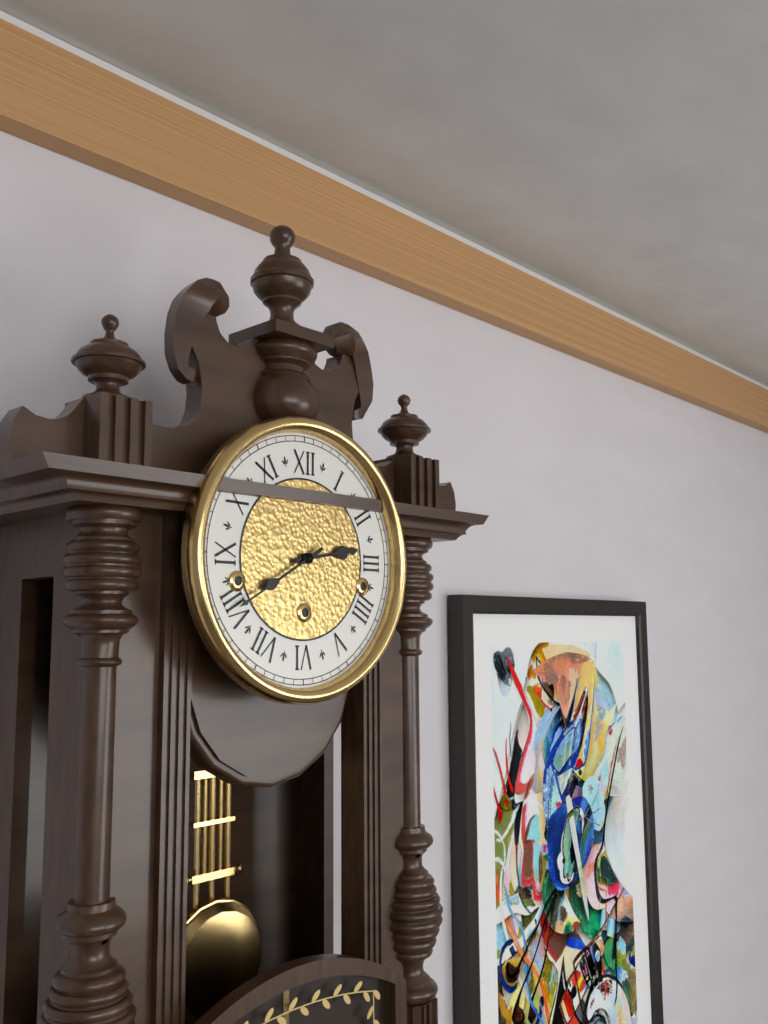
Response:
{"hour": 2, "minute": 40}
